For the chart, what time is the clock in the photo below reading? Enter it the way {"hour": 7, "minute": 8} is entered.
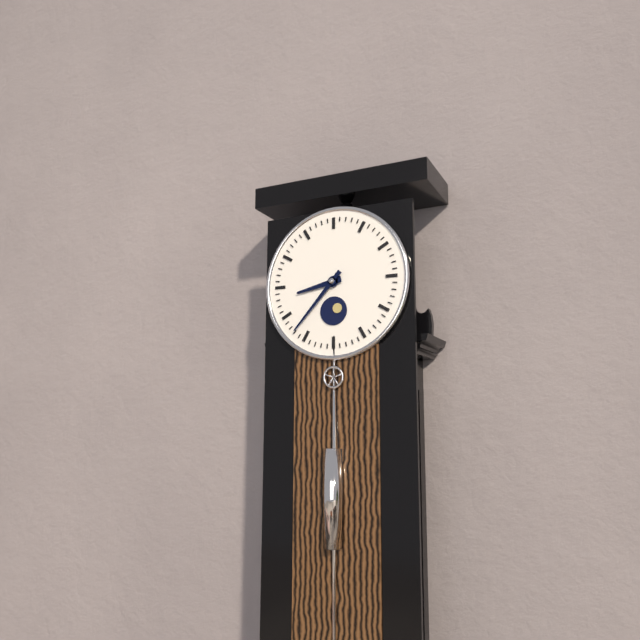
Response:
{"hour": 8, "minute": 37}
